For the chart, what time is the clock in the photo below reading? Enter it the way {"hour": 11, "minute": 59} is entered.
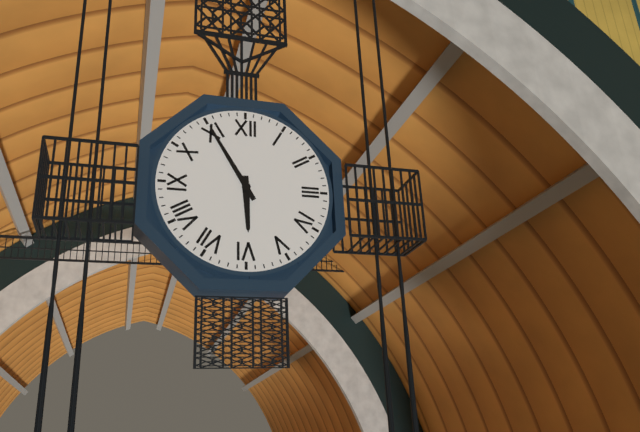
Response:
{"hour": 5, "minute": 55}
